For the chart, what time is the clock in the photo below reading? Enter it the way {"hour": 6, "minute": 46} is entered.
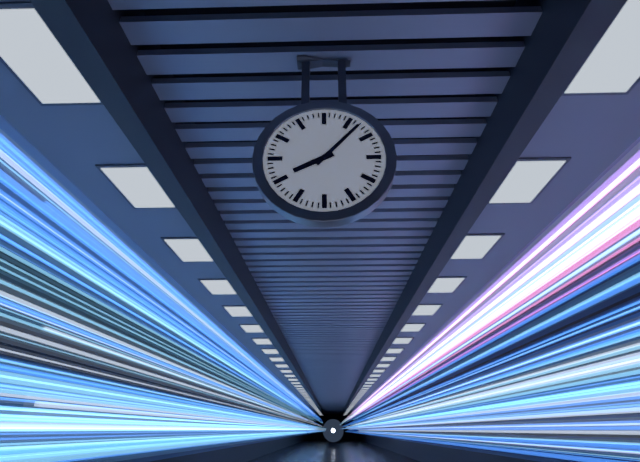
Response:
{"hour": 8, "minute": 7}
